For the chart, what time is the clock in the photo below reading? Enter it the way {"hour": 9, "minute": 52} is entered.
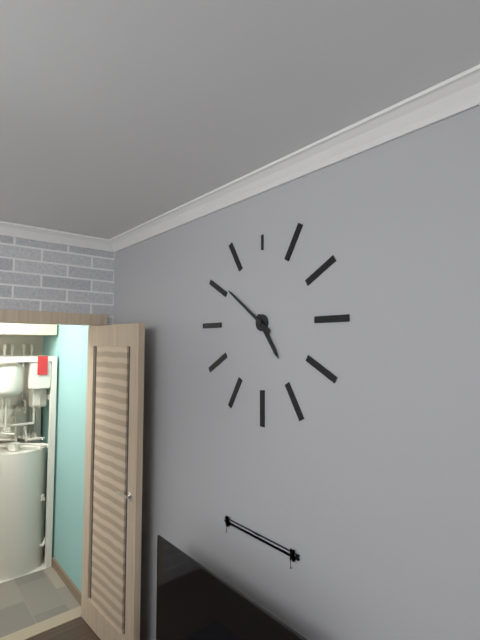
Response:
{"hour": 4, "minute": 51}
